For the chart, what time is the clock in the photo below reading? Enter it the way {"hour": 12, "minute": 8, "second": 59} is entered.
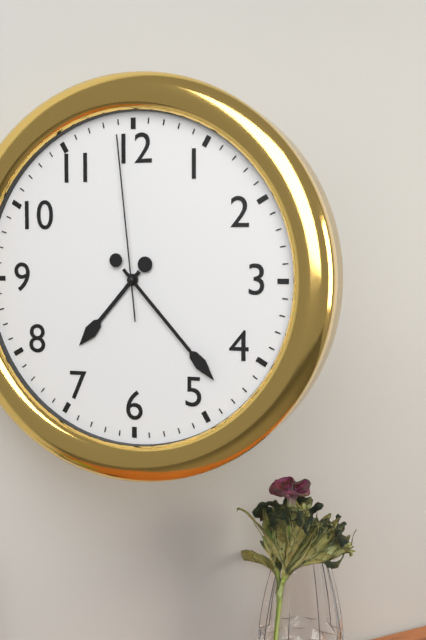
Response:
{"hour": 7, "minute": 23, "second": 59}
